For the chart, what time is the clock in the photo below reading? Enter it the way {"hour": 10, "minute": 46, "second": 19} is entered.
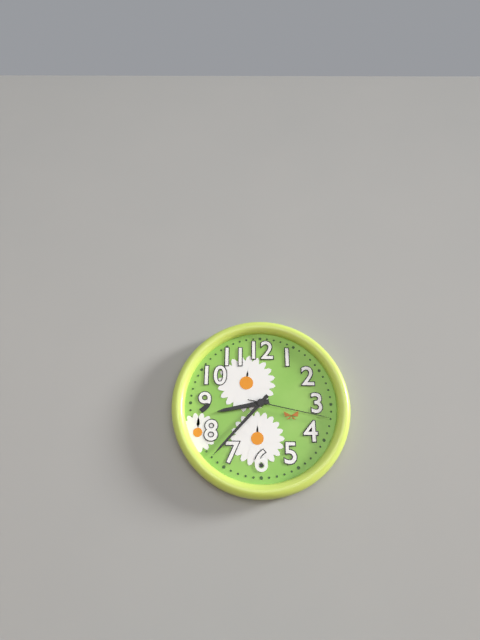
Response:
{"hour": 8, "minute": 37, "second": 17}
